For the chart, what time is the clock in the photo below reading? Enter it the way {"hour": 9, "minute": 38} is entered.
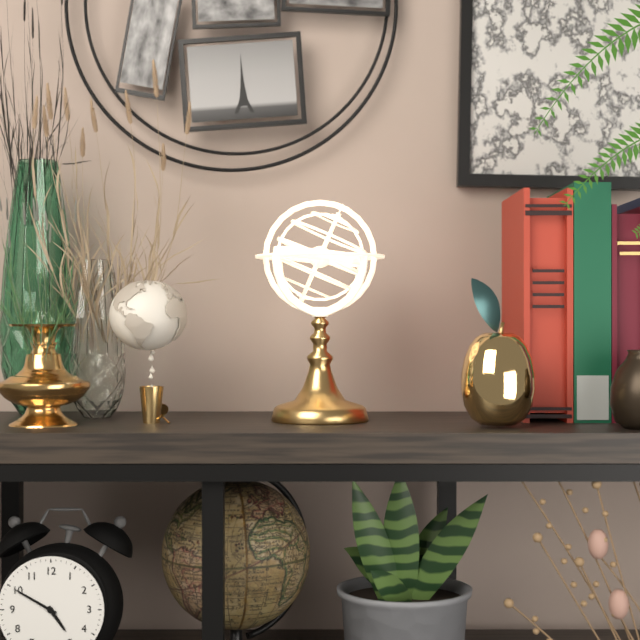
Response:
{"hour": 4, "minute": 50}
